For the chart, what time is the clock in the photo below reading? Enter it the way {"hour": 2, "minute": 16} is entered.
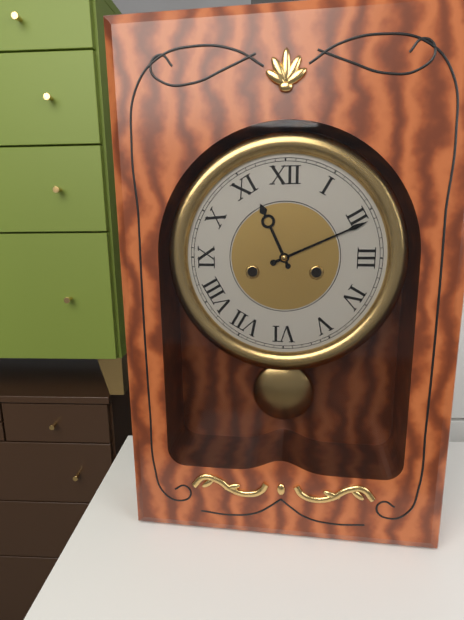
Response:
{"hour": 11, "minute": 11}
